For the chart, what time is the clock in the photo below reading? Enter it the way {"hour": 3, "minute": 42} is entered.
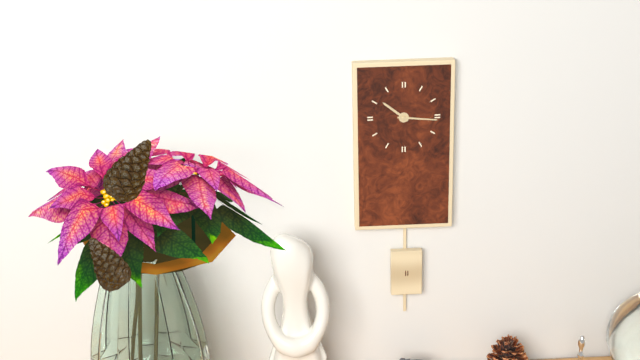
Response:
{"hour": 10, "minute": 16}
